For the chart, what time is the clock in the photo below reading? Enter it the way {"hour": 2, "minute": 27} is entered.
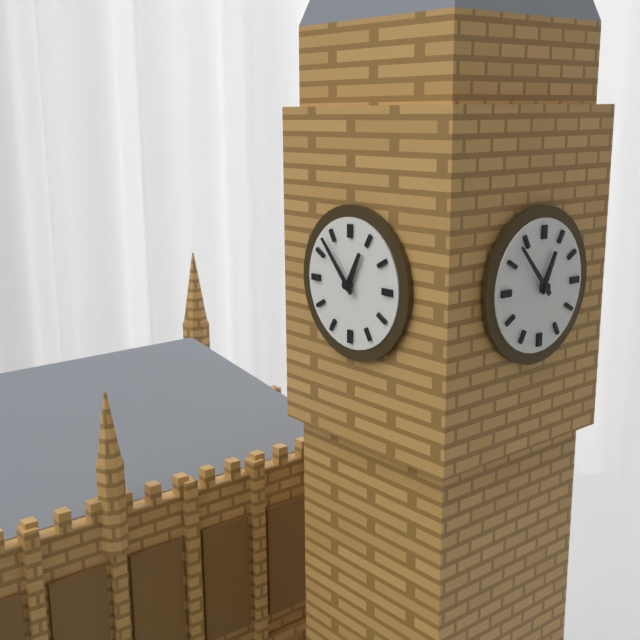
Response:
{"hour": 12, "minute": 53}
